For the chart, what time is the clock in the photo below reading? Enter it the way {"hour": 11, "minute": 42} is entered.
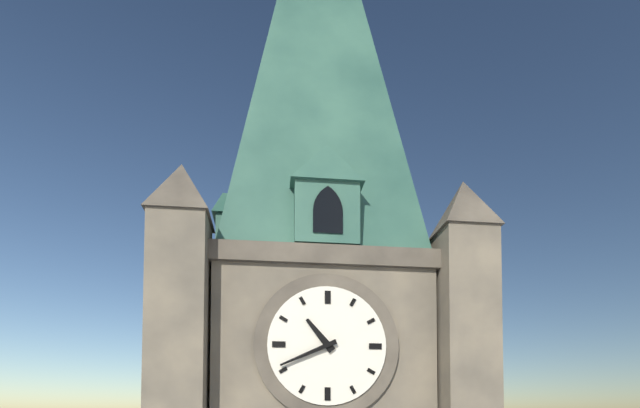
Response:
{"hour": 10, "minute": 41}
